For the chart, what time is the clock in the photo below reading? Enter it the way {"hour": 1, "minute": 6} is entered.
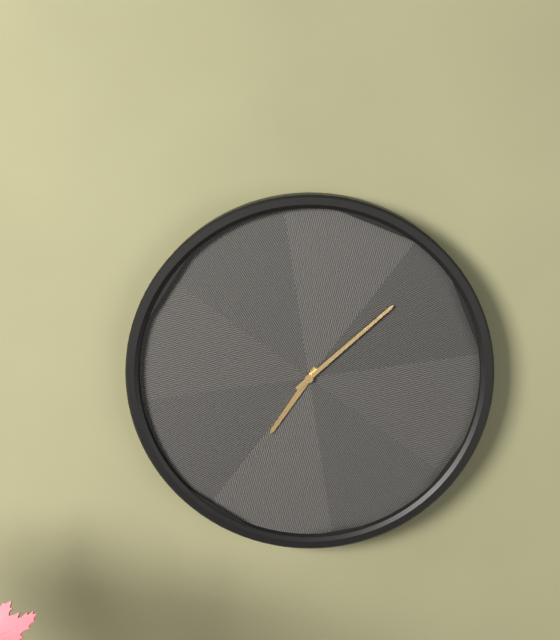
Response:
{"hour": 7, "minute": 8}
